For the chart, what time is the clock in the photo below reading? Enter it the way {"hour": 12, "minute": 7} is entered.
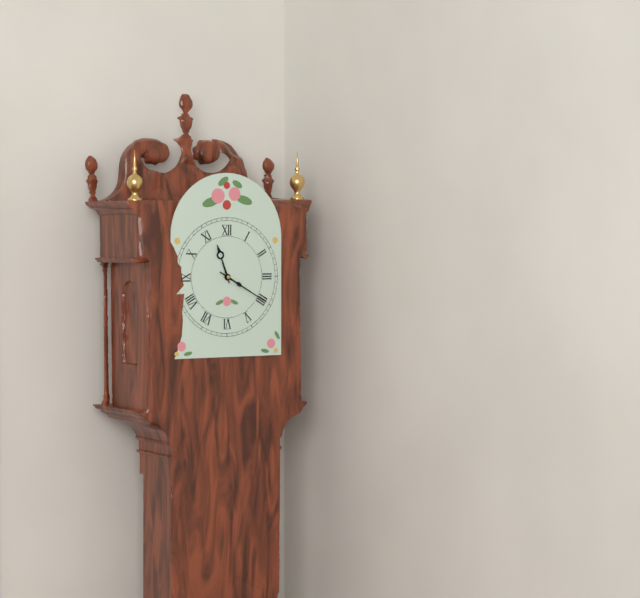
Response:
{"hour": 11, "minute": 20}
